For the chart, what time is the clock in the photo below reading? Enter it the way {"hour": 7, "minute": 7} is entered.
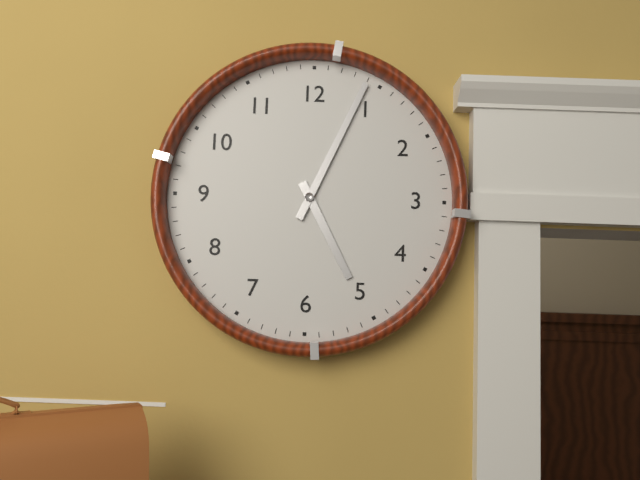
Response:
{"hour": 5, "minute": 4}
